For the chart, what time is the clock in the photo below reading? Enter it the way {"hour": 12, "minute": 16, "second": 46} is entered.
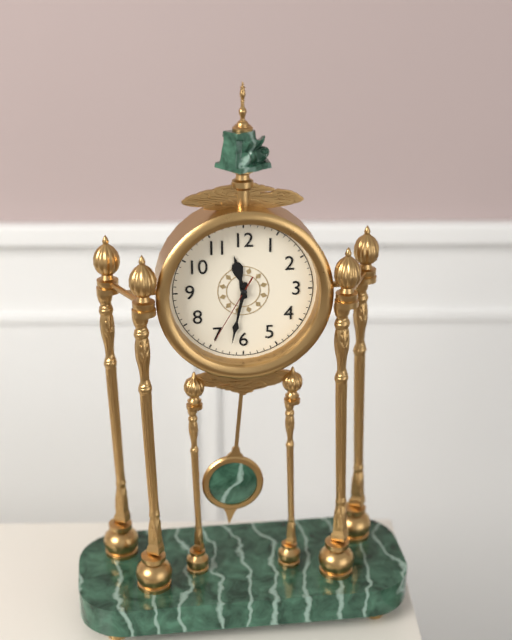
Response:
{"hour": 11, "minute": 32, "second": 35}
